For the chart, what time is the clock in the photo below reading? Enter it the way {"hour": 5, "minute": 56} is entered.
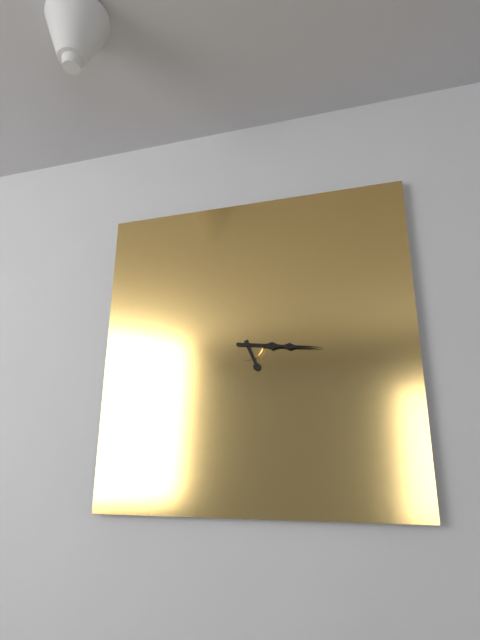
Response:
{"hour": 5, "minute": 16}
